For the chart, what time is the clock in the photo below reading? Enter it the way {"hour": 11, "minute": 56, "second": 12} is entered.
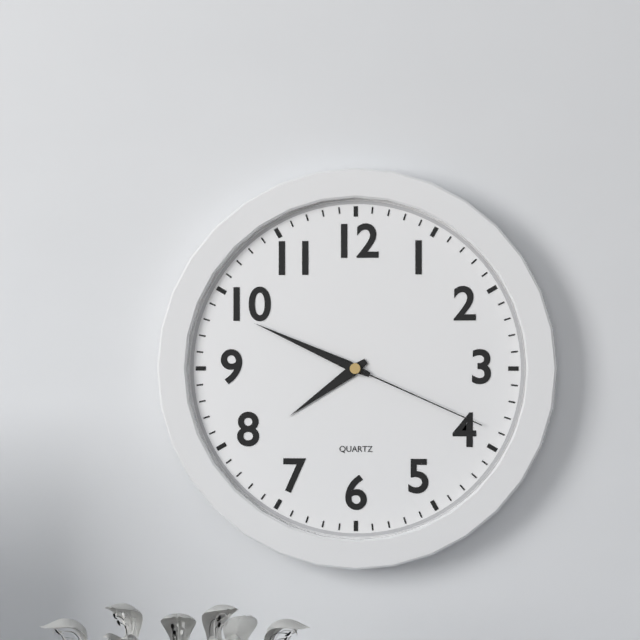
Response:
{"hour": 7, "minute": 49, "second": 19}
